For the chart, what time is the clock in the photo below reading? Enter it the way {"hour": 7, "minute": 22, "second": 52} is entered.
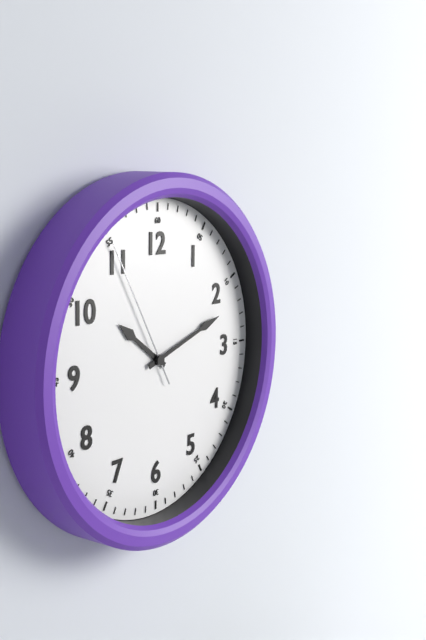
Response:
{"hour": 10, "minute": 12, "second": 55}
